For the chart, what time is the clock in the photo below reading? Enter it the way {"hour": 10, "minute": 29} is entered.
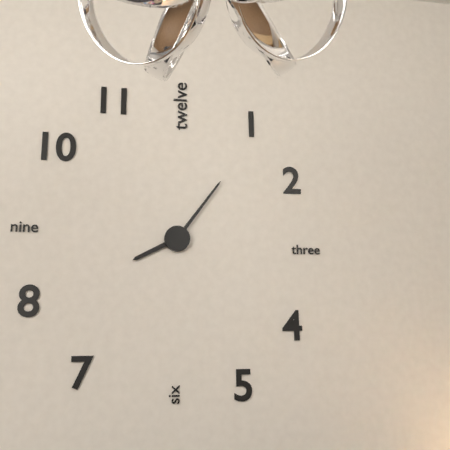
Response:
{"hour": 8, "minute": 6}
